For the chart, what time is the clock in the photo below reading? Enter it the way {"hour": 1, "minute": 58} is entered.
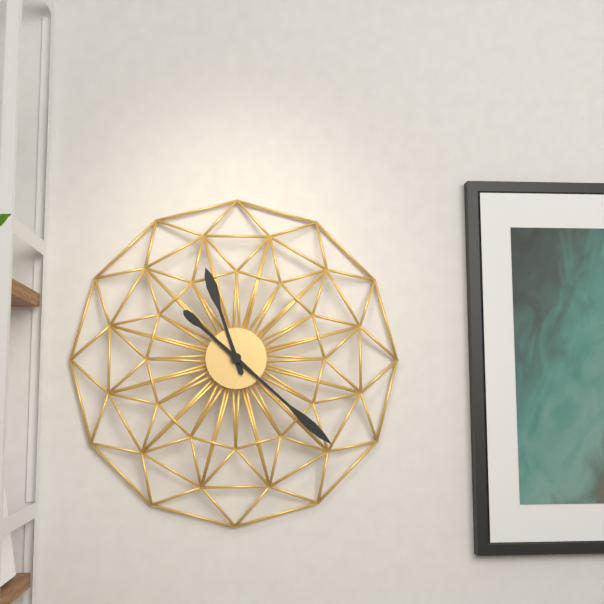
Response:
{"hour": 11, "minute": 22}
